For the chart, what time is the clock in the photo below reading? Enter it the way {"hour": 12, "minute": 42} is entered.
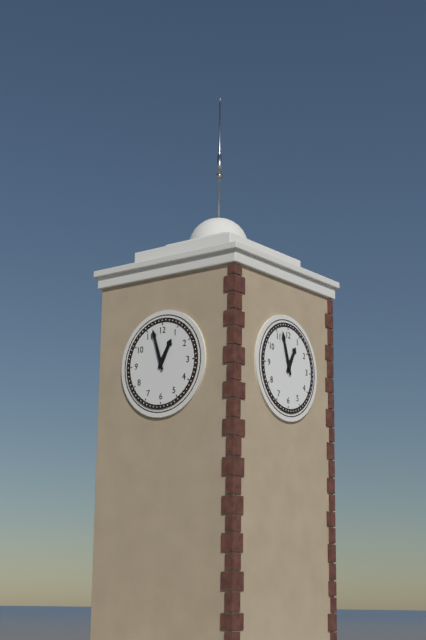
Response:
{"hour": 12, "minute": 57}
